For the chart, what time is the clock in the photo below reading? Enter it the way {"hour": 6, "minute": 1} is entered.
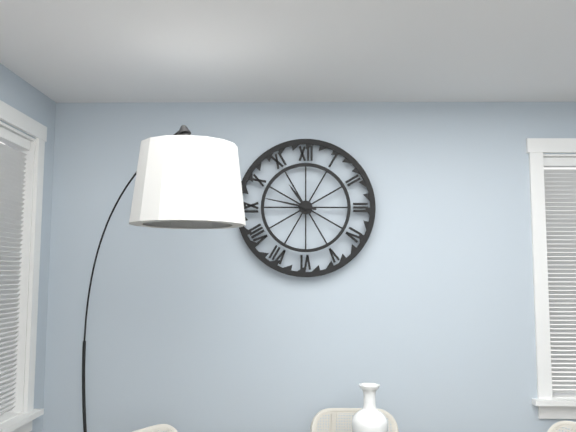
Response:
{"hour": 10, "minute": 47}
